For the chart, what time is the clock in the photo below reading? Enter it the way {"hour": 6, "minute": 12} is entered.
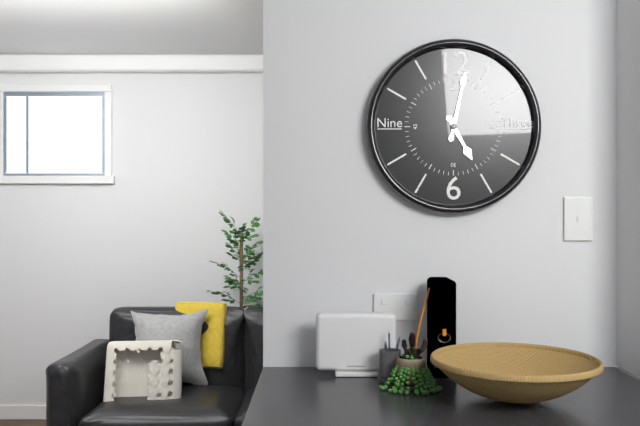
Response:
{"hour": 5, "minute": 2}
